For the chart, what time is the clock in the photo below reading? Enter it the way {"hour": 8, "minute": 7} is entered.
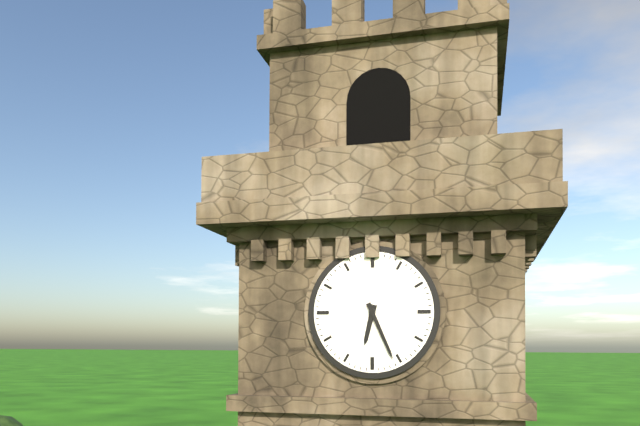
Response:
{"hour": 6, "minute": 26}
